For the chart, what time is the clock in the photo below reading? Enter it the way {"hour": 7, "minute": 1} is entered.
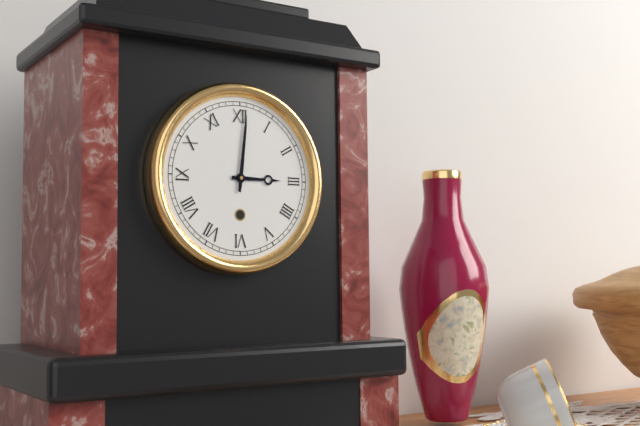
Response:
{"hour": 3, "minute": 1}
